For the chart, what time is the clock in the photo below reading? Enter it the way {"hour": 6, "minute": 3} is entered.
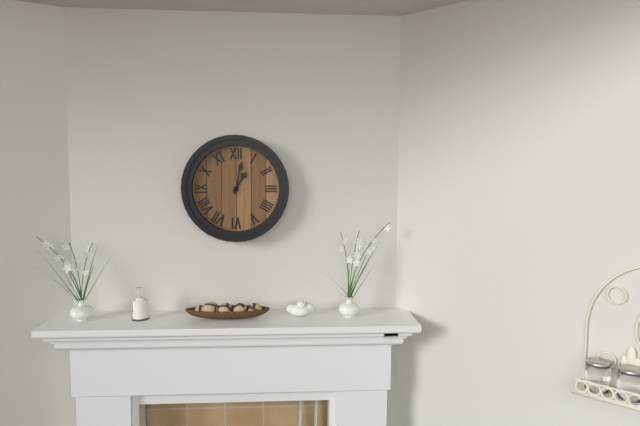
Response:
{"hour": 1, "minute": 2}
